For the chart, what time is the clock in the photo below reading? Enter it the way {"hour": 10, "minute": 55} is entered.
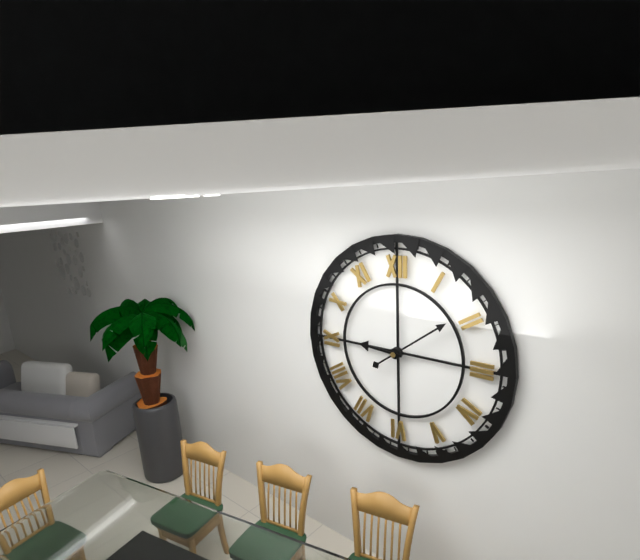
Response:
{"hour": 9, "minute": 9}
